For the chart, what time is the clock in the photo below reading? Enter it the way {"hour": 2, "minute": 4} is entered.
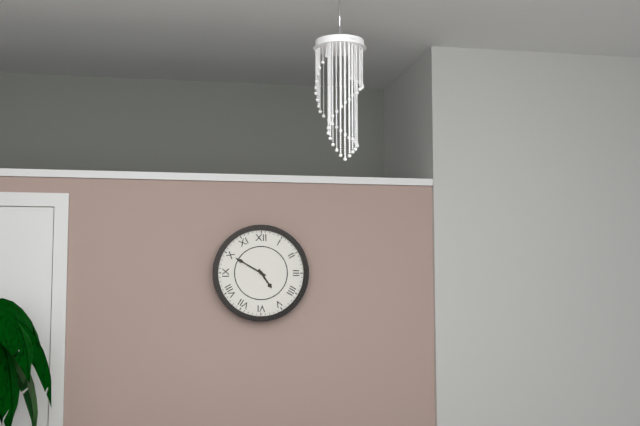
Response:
{"hour": 4, "minute": 50}
